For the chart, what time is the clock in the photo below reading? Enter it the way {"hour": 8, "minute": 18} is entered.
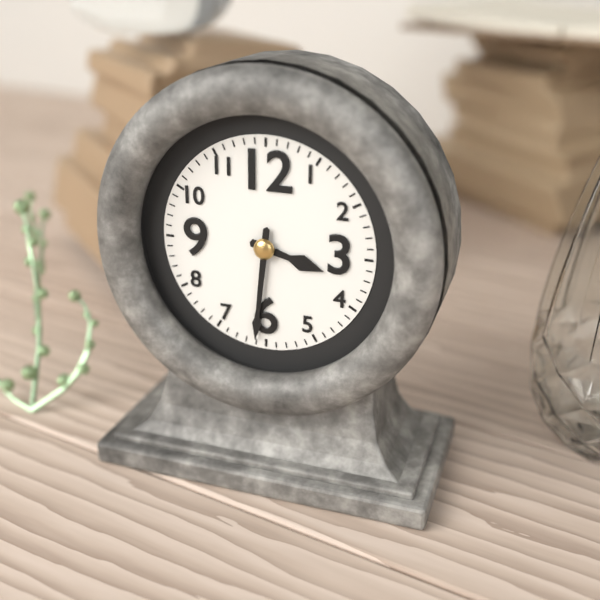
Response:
{"hour": 3, "minute": 31}
